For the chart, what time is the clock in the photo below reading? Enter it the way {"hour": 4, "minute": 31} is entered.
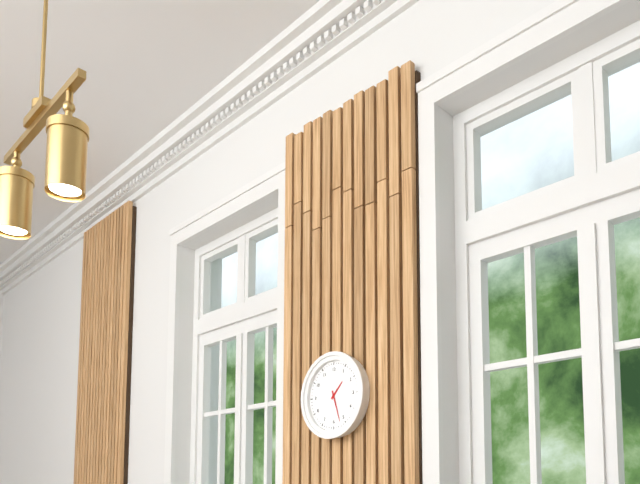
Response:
{"hour": 1, "minute": 27}
